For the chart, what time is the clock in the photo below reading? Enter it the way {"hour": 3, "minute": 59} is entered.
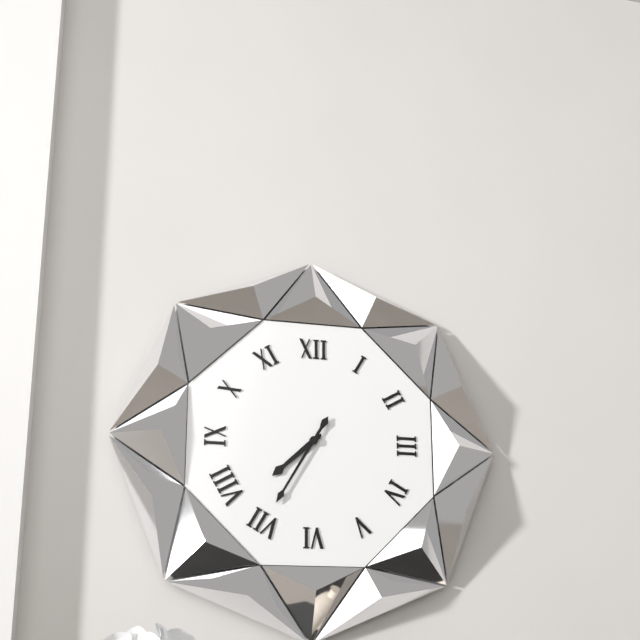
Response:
{"hour": 7, "minute": 35}
